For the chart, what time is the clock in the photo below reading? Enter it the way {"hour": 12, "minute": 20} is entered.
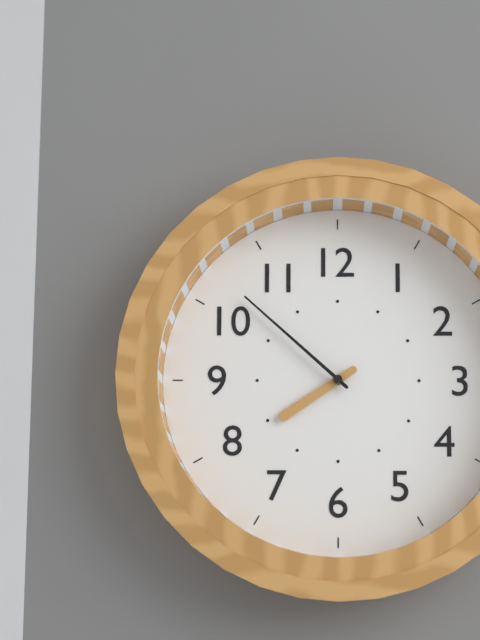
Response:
{"hour": 7, "minute": 52}
